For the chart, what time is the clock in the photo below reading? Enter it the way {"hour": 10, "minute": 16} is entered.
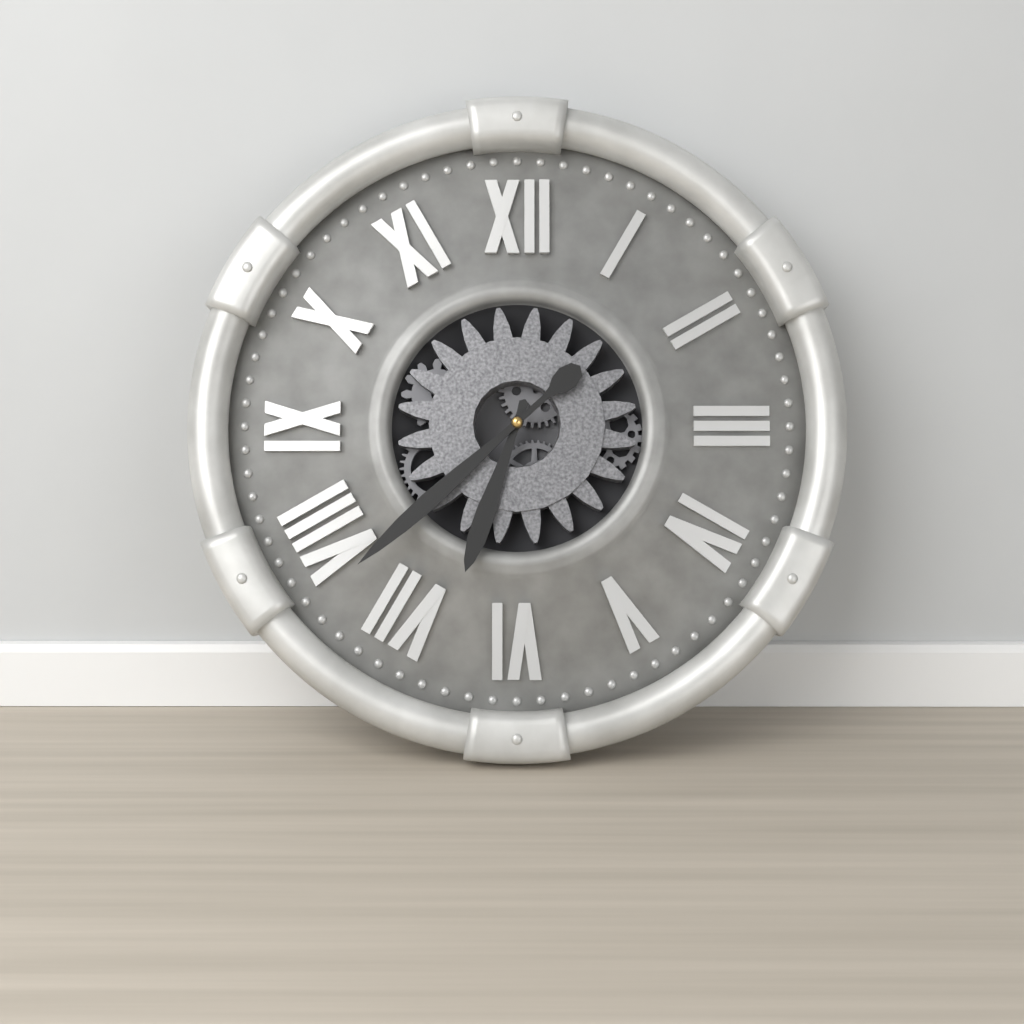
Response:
{"hour": 6, "minute": 38}
